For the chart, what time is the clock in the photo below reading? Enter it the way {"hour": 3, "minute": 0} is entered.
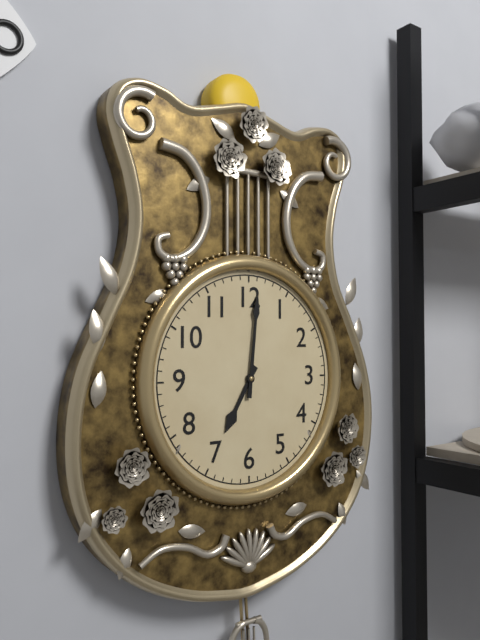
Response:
{"hour": 7, "minute": 1}
